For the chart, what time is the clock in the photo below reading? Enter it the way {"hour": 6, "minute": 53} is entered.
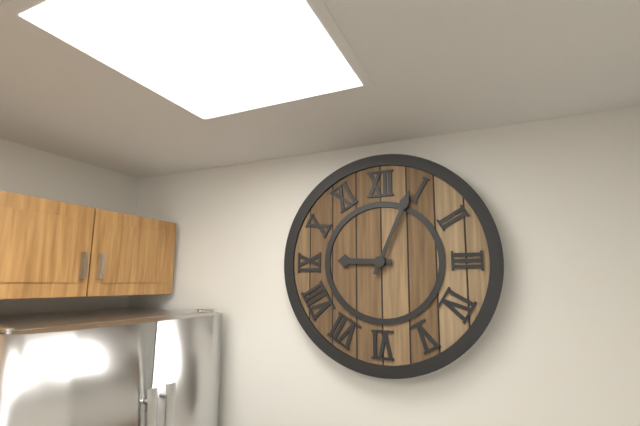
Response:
{"hour": 9, "minute": 4}
